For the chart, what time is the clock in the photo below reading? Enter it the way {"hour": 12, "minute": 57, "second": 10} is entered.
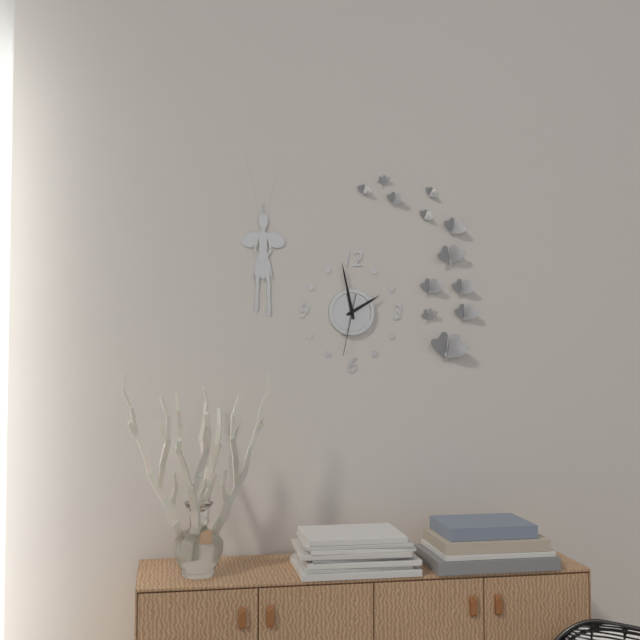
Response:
{"hour": 1, "minute": 58, "second": 32}
